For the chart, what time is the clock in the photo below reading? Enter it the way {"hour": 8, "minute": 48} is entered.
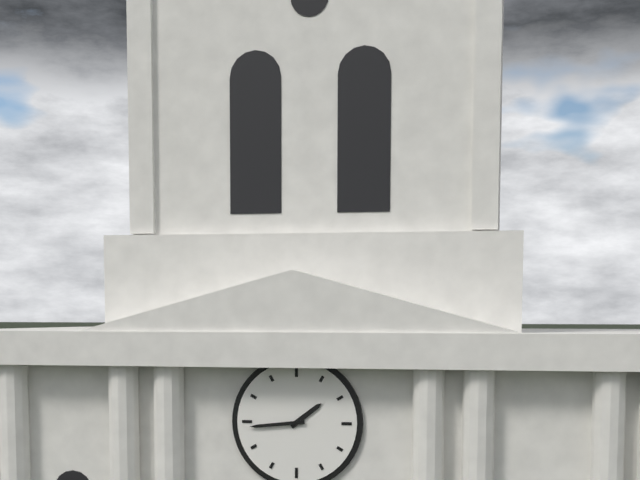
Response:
{"hour": 1, "minute": 44}
